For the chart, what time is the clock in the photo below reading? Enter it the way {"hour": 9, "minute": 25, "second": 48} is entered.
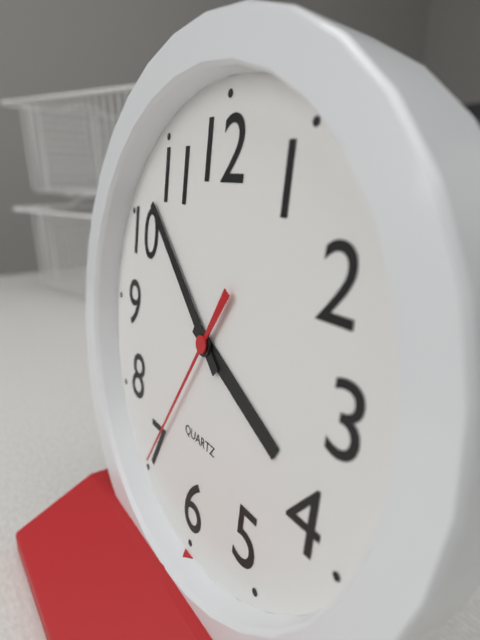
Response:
{"hour": 3, "minute": 52, "second": 35}
